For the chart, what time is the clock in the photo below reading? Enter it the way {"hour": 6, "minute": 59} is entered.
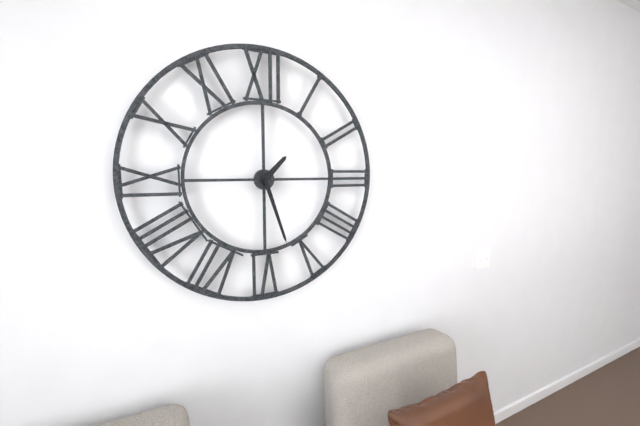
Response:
{"hour": 1, "minute": 27}
